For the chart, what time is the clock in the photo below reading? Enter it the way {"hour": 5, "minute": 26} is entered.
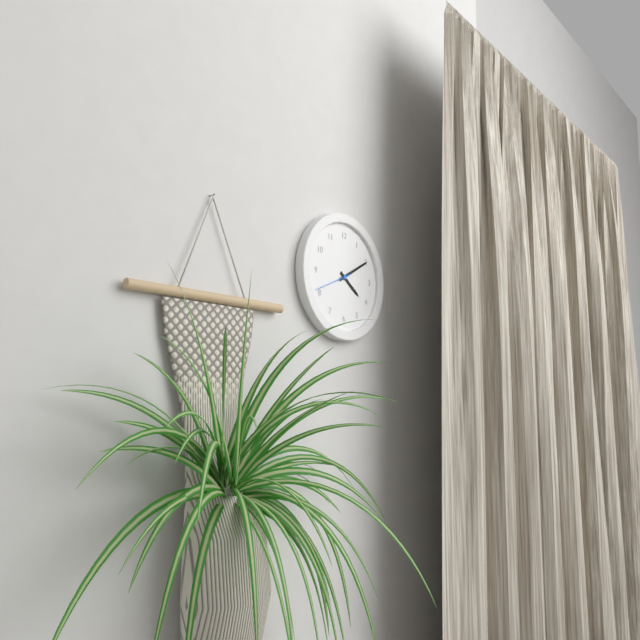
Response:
{"hour": 4, "minute": 10}
